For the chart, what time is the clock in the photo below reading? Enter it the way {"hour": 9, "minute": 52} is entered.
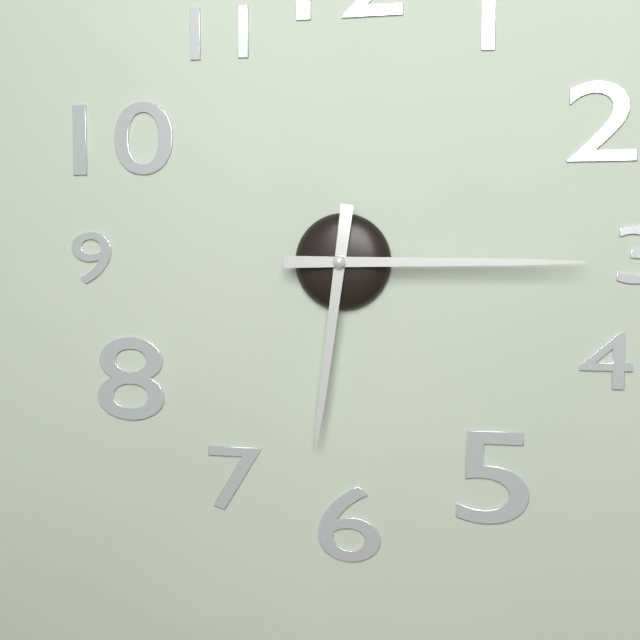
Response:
{"hour": 6, "minute": 15}
